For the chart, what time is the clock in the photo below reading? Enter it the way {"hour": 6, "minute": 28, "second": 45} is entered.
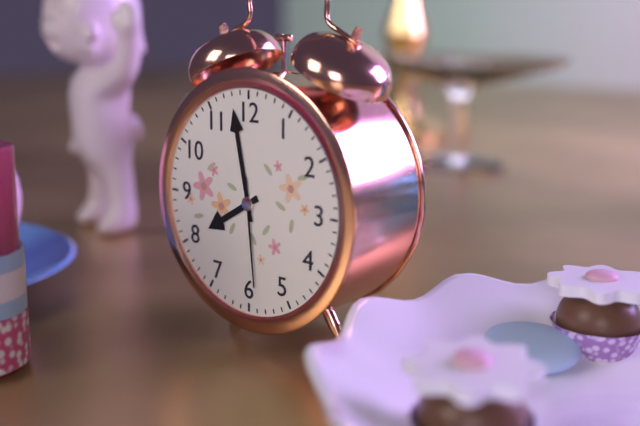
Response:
{"hour": 7, "minute": 58, "second": 29}
